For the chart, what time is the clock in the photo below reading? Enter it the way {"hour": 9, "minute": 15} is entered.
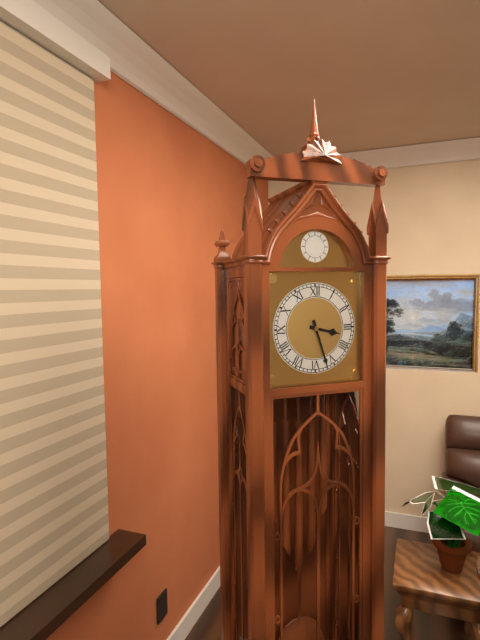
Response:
{"hour": 3, "minute": 27}
